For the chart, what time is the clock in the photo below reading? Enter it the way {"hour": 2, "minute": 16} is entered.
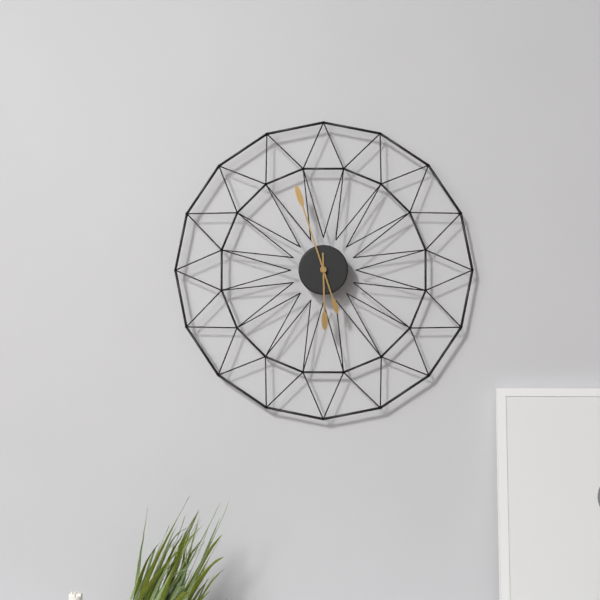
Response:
{"hour": 5, "minute": 57}
